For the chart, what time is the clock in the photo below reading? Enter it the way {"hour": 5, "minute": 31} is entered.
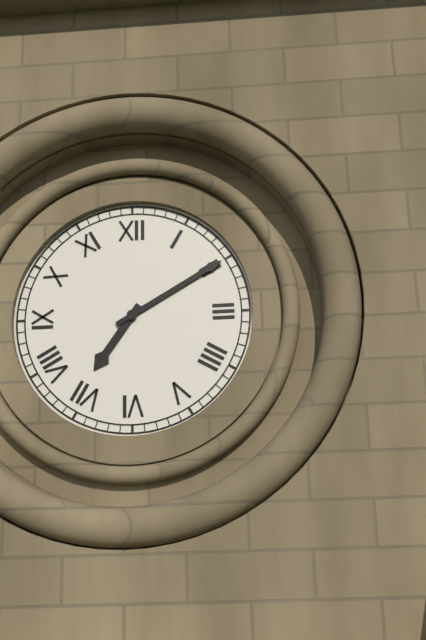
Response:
{"hour": 7, "minute": 10}
